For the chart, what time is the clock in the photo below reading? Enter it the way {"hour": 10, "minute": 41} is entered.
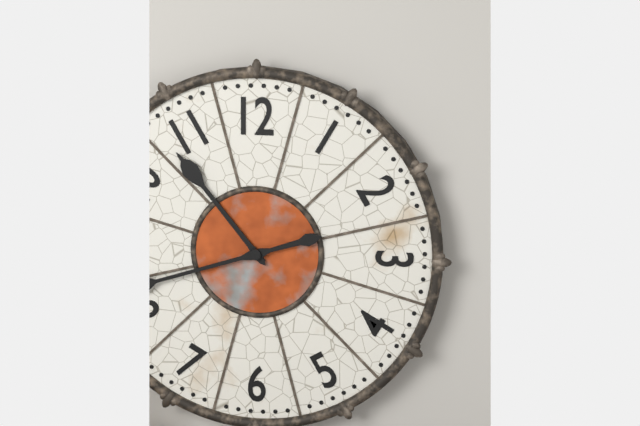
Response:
{"hour": 10, "minute": 42}
